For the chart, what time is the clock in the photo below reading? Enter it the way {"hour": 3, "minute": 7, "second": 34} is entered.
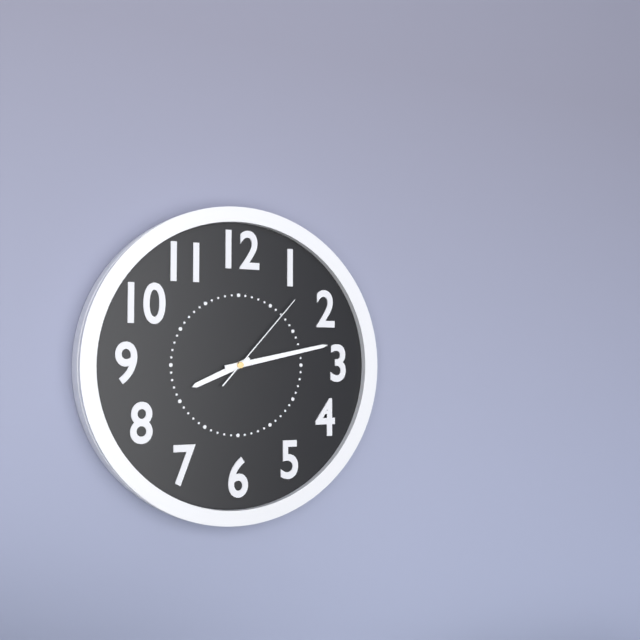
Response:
{"hour": 8, "minute": 13, "second": 7}
